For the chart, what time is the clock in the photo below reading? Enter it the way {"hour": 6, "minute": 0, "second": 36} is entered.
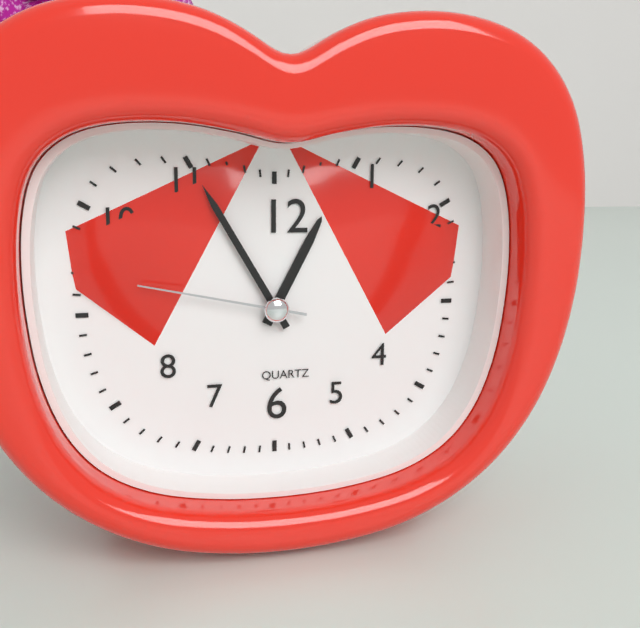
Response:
{"hour": 12, "minute": 55, "second": 47}
